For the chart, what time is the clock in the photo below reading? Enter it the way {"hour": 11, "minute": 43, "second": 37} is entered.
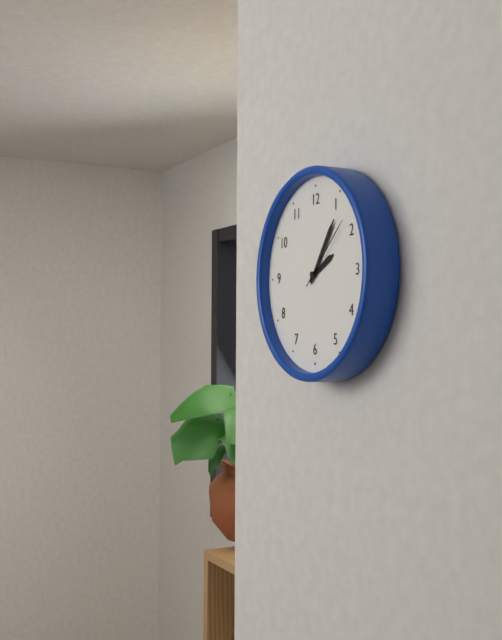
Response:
{"hour": 2, "minute": 6, "second": 8}
